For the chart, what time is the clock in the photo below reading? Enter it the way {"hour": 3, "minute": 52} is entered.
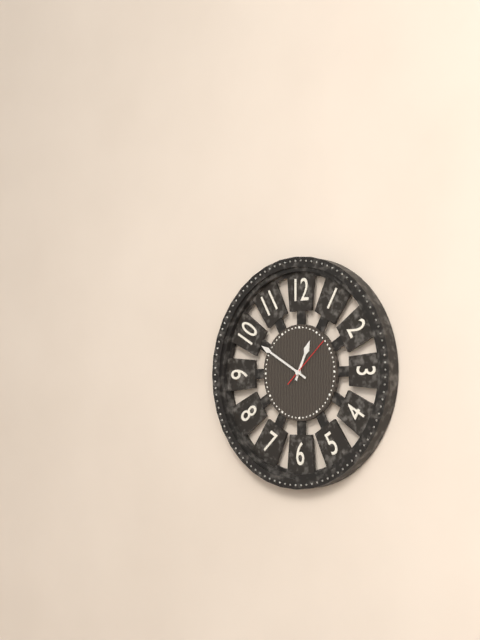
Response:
{"hour": 12, "minute": 50}
